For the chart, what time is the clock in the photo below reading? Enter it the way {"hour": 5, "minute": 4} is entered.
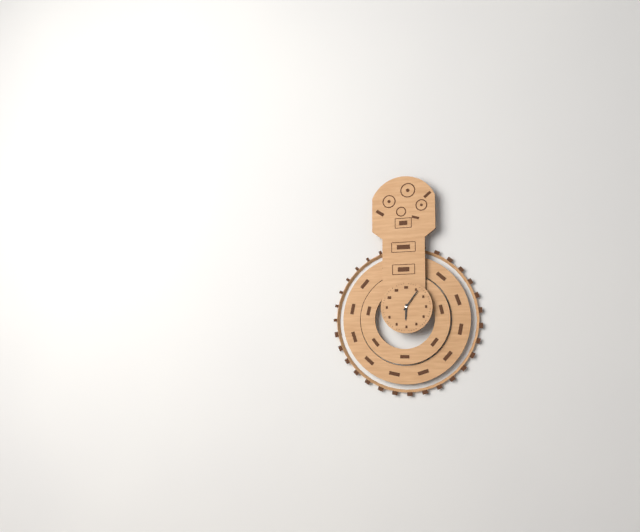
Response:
{"hour": 6, "minute": 6}
